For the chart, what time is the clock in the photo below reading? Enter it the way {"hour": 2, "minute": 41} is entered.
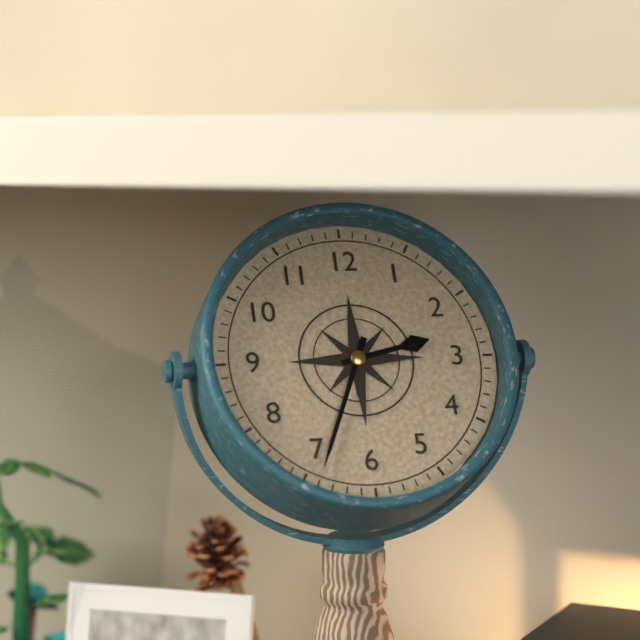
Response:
{"hour": 2, "minute": 34}
